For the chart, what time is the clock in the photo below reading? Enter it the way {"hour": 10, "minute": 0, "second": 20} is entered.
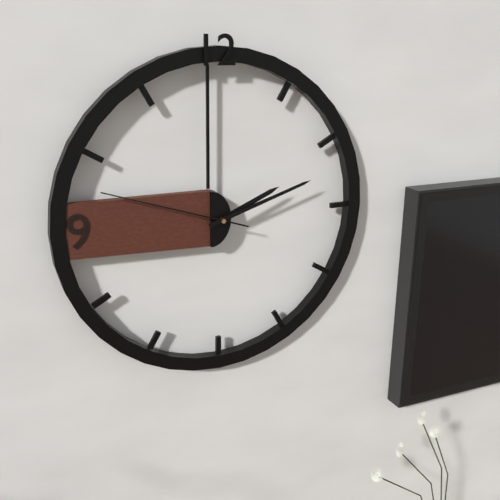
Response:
{"hour": 2, "minute": 12, "second": 48}
